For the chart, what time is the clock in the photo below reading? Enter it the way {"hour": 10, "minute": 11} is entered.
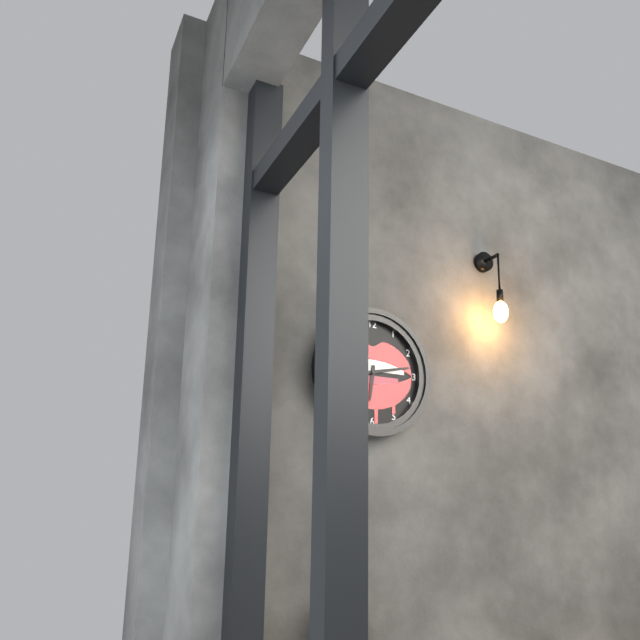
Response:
{"hour": 6, "minute": 13}
